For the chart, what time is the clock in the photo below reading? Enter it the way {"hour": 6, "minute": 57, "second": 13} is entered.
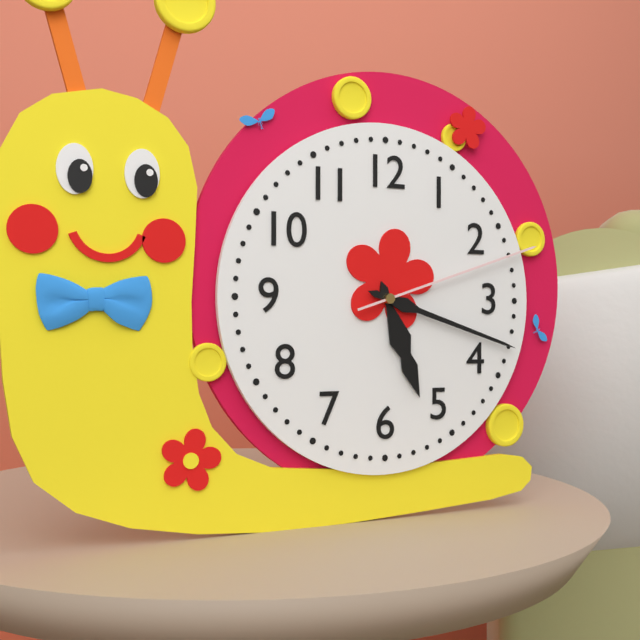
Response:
{"hour": 5, "minute": 18, "second": 12}
